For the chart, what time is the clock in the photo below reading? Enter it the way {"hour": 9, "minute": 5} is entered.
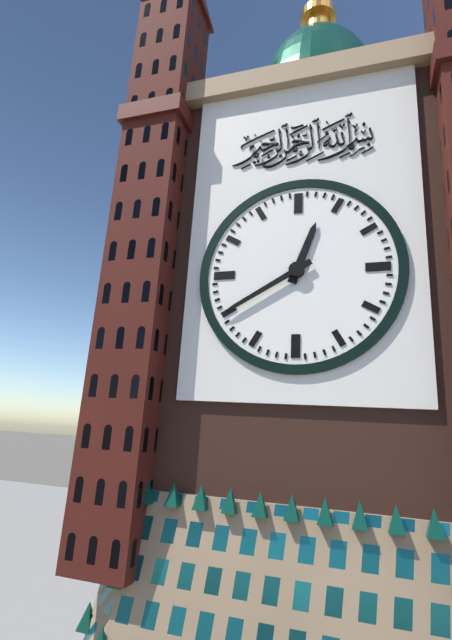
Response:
{"hour": 12, "minute": 40}
